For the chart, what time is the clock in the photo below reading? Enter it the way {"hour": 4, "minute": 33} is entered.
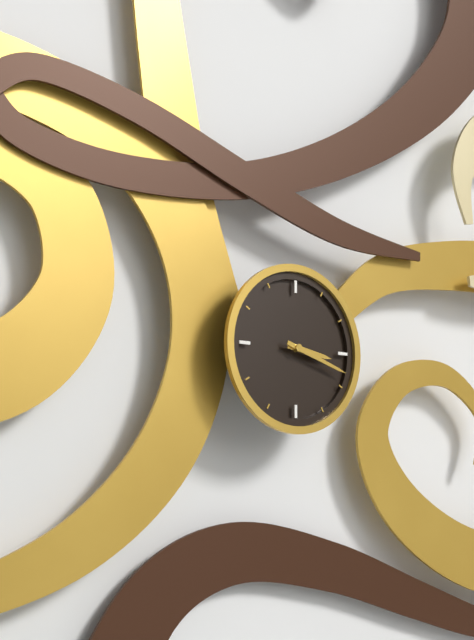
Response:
{"hour": 3, "minute": 18}
